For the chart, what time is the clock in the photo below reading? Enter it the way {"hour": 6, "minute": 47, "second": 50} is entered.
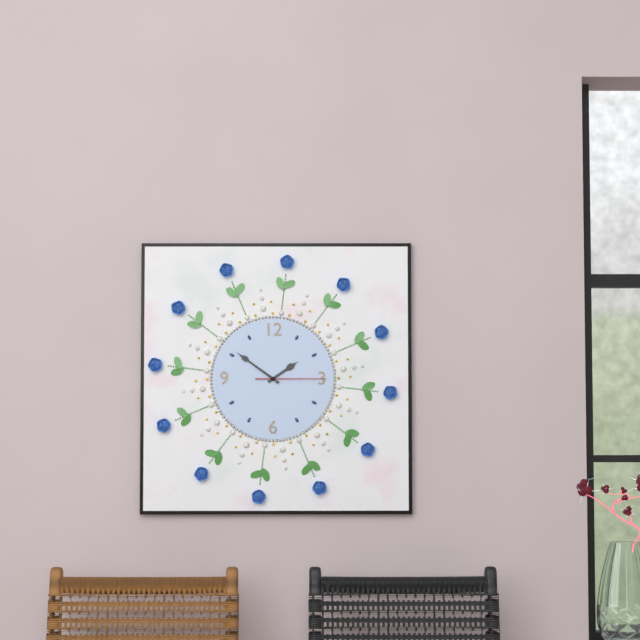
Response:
{"hour": 1, "minute": 51, "second": 15}
